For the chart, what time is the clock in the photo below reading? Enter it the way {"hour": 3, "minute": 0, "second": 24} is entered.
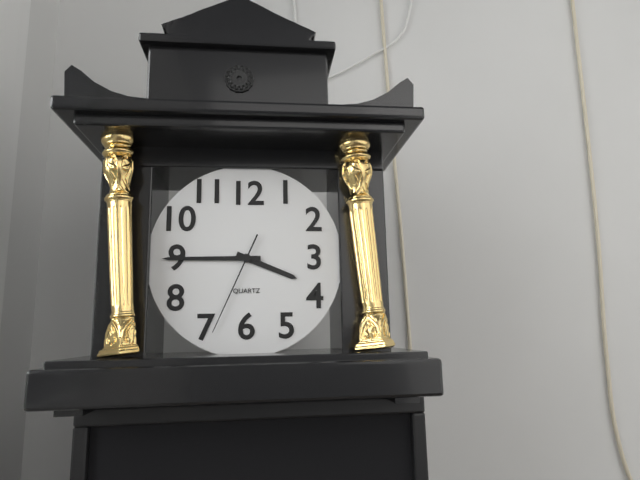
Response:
{"hour": 3, "minute": 45, "second": 34}
